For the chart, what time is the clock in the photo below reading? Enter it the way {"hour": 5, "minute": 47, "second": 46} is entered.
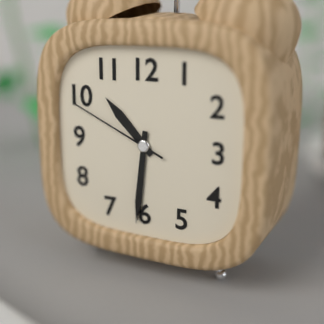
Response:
{"hour": 10, "minute": 31, "second": 49}
